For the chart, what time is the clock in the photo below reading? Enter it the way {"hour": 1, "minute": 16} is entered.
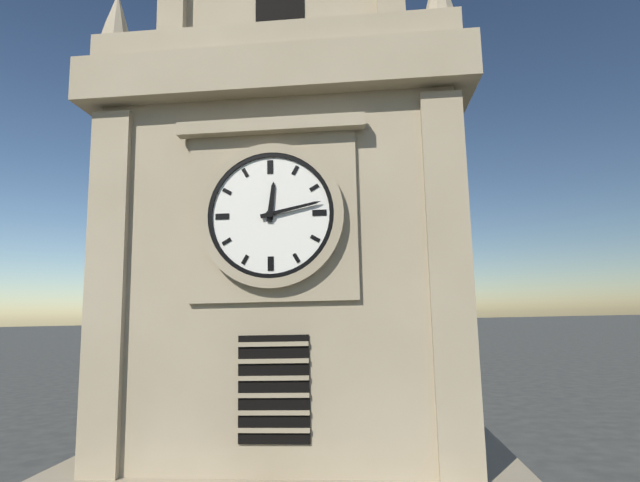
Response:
{"hour": 12, "minute": 13}
